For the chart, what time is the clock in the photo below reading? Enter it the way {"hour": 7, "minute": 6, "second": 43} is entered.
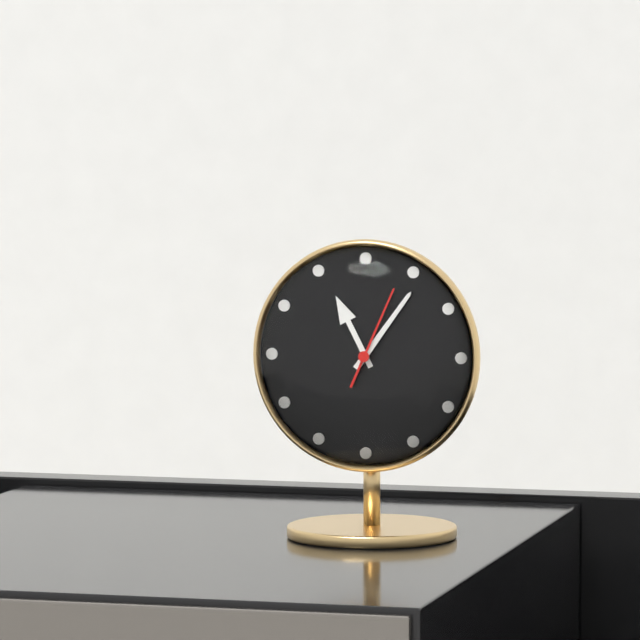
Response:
{"hour": 11, "minute": 6, "second": 4}
